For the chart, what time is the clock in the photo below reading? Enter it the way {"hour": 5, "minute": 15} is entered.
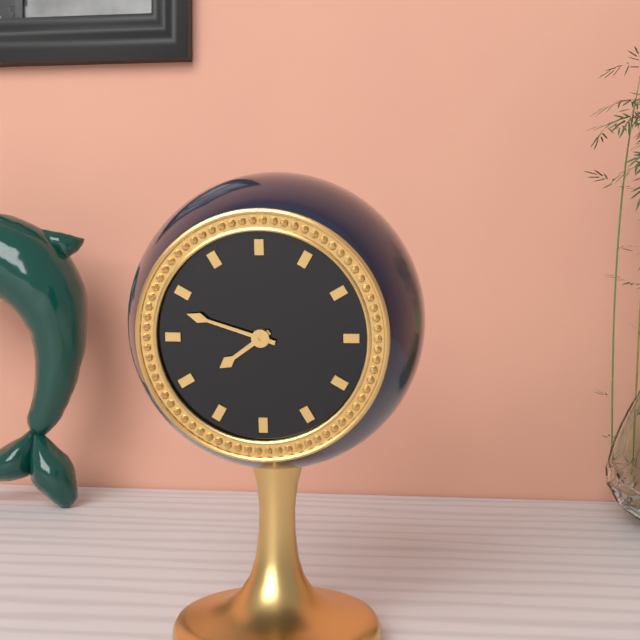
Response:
{"hour": 7, "minute": 48}
